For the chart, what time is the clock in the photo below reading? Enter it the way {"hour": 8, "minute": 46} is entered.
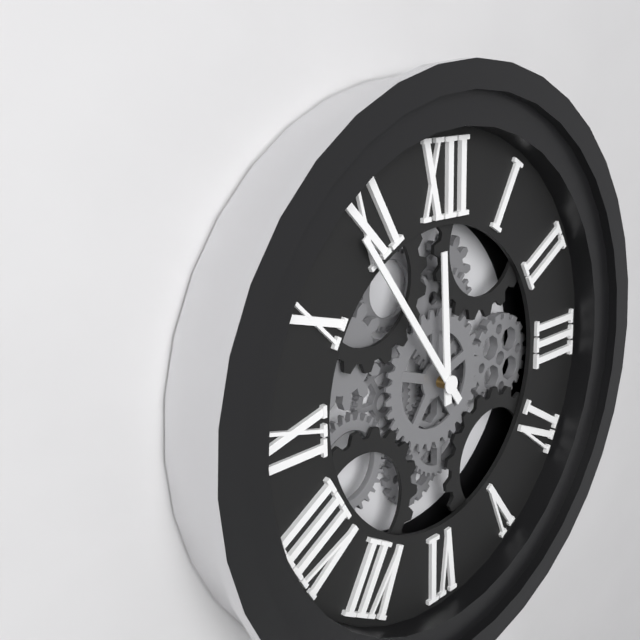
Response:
{"hour": 11, "minute": 54}
